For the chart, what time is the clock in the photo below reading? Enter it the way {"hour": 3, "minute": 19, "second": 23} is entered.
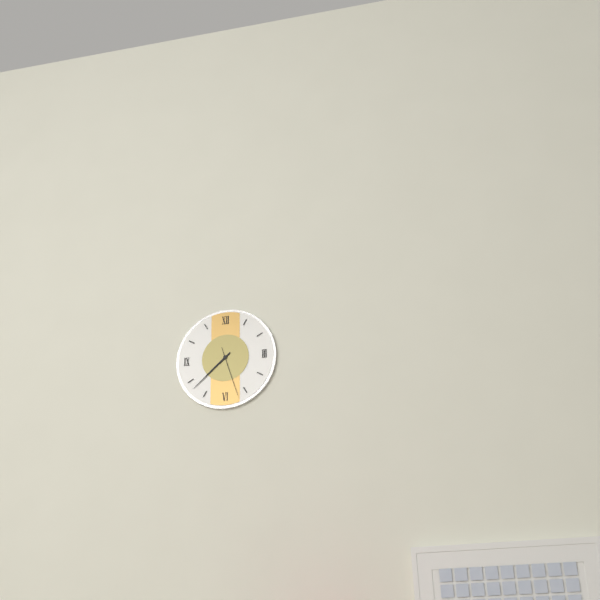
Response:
{"hour": 7, "minute": 38, "second": 27}
